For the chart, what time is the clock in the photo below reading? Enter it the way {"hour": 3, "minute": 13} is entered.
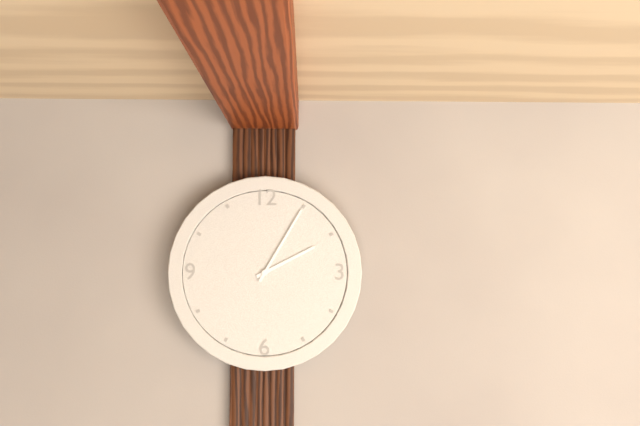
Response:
{"hour": 2, "minute": 5}
